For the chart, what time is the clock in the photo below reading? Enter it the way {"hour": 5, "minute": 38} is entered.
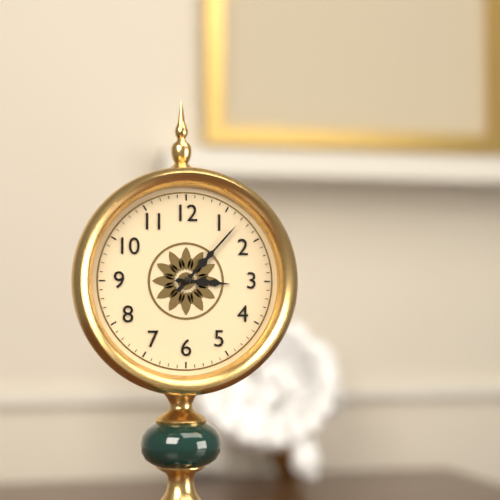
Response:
{"hour": 3, "minute": 7}
